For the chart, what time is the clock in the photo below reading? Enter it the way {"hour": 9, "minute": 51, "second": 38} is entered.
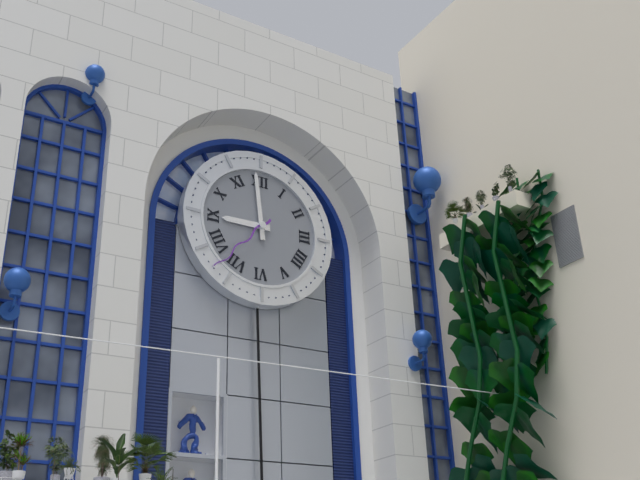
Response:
{"hour": 8, "minute": 59, "second": 37}
